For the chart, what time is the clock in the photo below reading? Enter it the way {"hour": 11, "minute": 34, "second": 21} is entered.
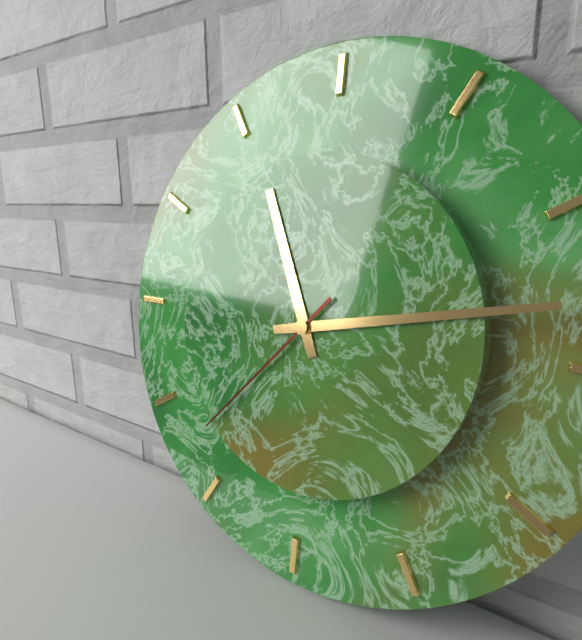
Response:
{"hour": 11, "minute": 13, "second": 37}
